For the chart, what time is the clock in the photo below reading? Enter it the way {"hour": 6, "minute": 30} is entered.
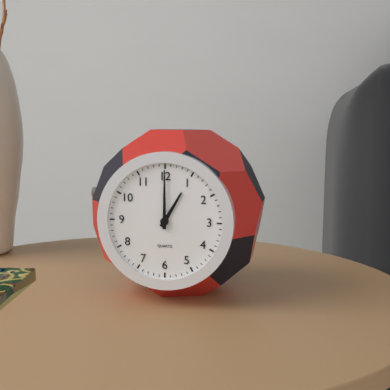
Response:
{"hour": 1, "minute": 0}
